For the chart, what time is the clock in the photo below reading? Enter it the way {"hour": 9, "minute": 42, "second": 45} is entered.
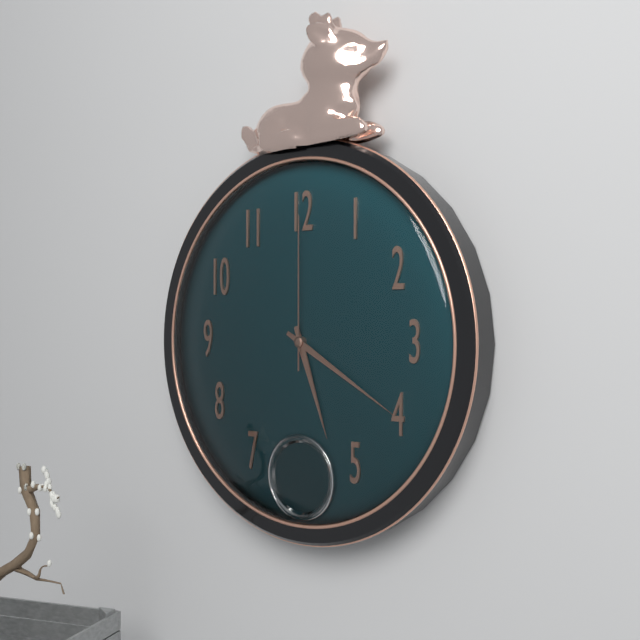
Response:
{"hour": 5, "minute": 20, "second": 0}
